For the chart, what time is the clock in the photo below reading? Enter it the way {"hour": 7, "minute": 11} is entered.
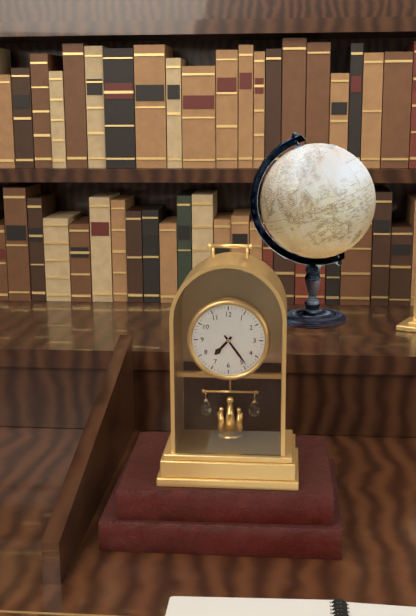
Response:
{"hour": 7, "minute": 24}
